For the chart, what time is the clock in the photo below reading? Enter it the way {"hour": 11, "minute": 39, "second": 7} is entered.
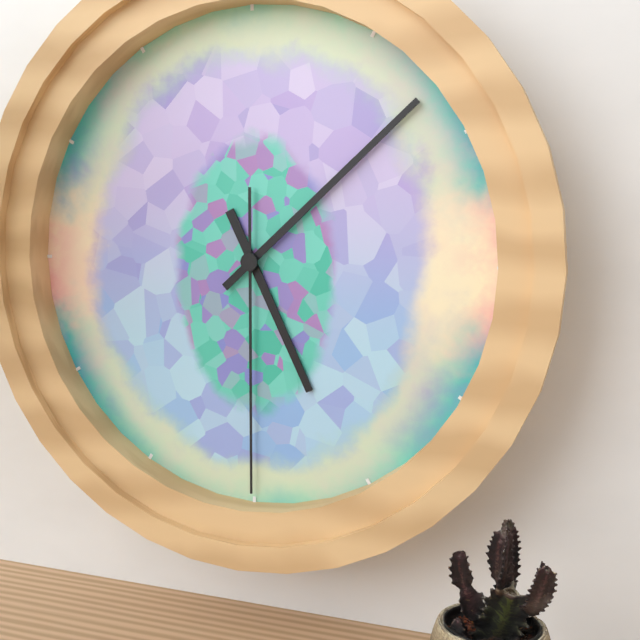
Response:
{"hour": 5, "minute": 8, "second": 30}
